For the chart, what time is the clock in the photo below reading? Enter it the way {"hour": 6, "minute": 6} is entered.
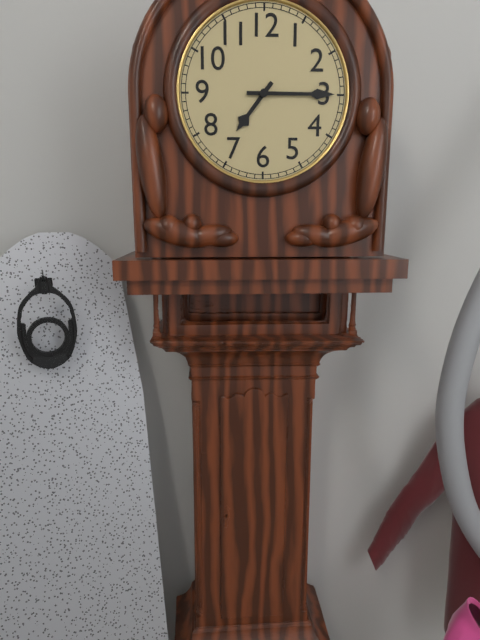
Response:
{"hour": 7, "minute": 15}
